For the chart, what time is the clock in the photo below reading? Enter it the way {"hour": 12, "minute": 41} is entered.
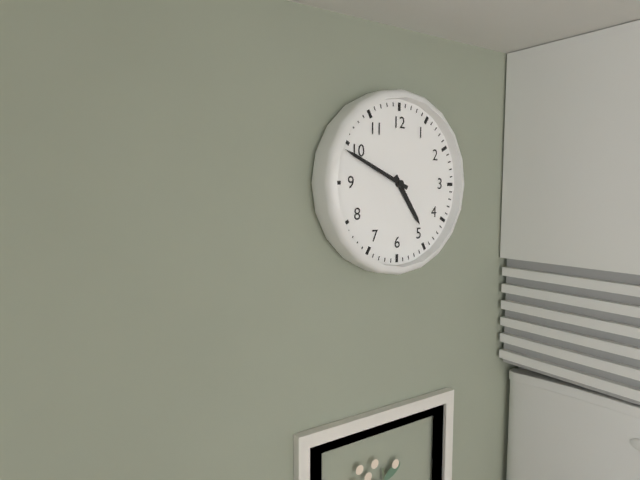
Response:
{"hour": 4, "minute": 49}
